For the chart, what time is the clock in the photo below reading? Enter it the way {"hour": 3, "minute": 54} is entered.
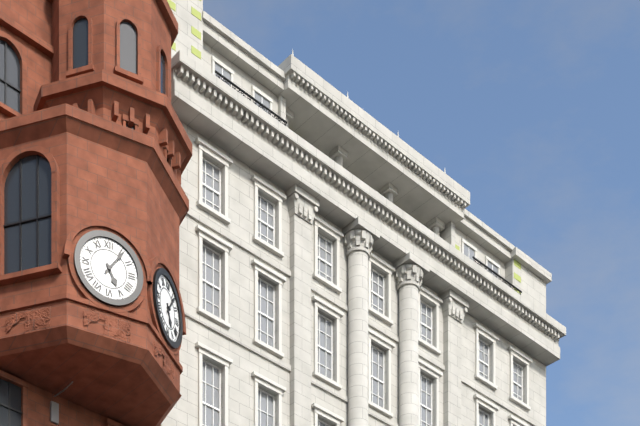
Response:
{"hour": 5, "minute": 6}
